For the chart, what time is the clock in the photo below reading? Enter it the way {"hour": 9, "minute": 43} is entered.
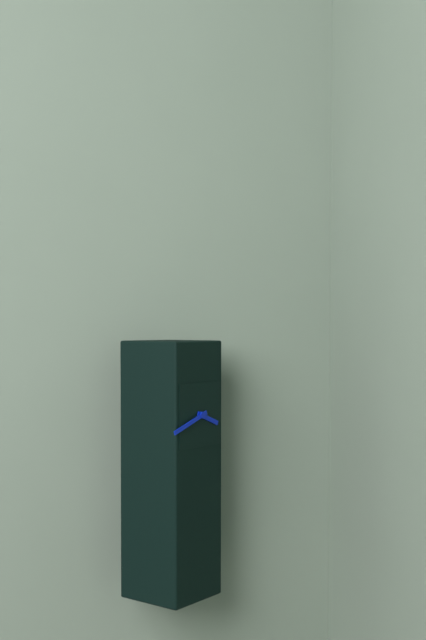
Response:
{"hour": 3, "minute": 42}
